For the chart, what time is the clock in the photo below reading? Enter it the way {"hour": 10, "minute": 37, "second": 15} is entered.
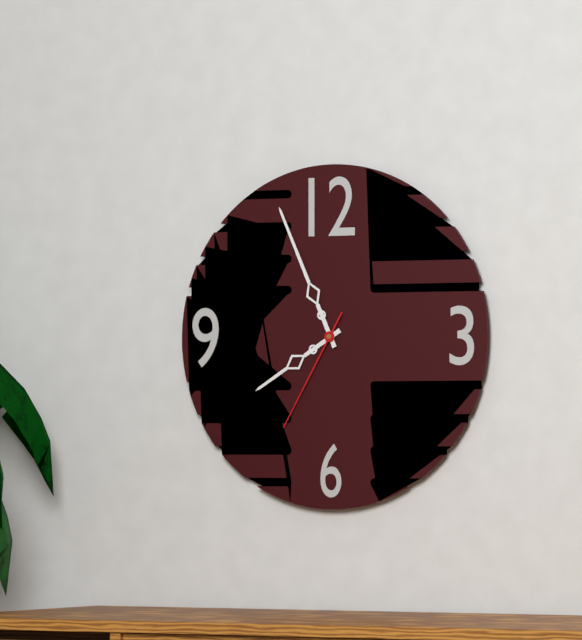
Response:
{"hour": 7, "minute": 56, "second": 35}
